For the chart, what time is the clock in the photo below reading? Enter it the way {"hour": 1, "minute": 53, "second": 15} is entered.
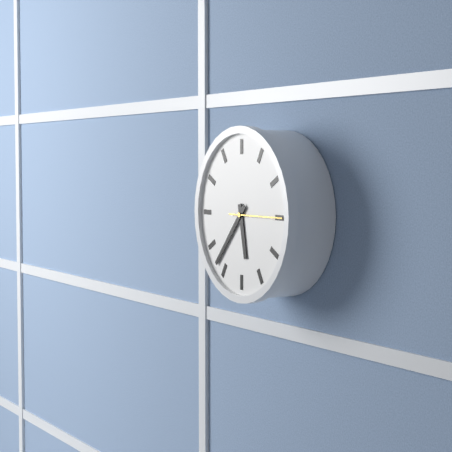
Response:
{"hour": 5, "minute": 37, "second": 15}
